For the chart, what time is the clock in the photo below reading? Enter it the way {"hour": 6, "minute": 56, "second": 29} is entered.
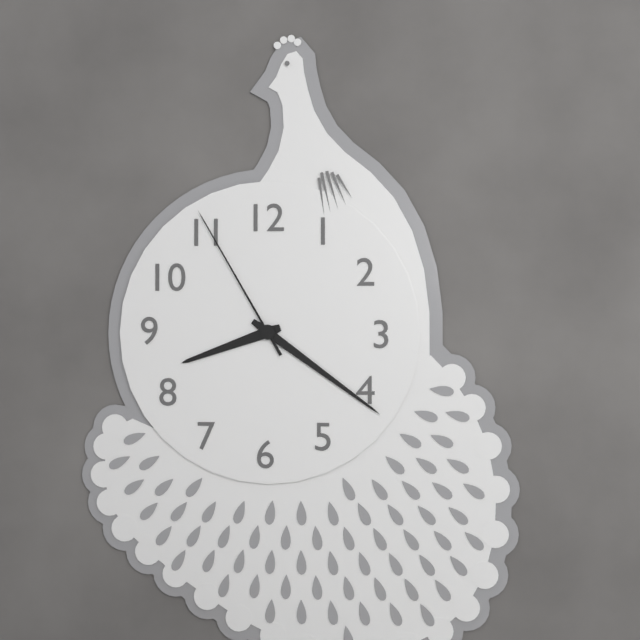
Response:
{"hour": 8, "minute": 21, "second": 55}
